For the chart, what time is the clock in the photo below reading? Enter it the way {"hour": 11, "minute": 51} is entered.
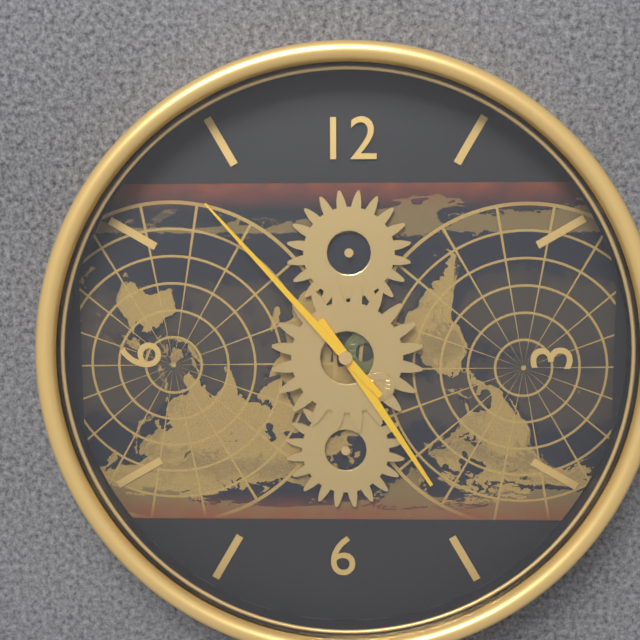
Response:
{"hour": 4, "minute": 53}
